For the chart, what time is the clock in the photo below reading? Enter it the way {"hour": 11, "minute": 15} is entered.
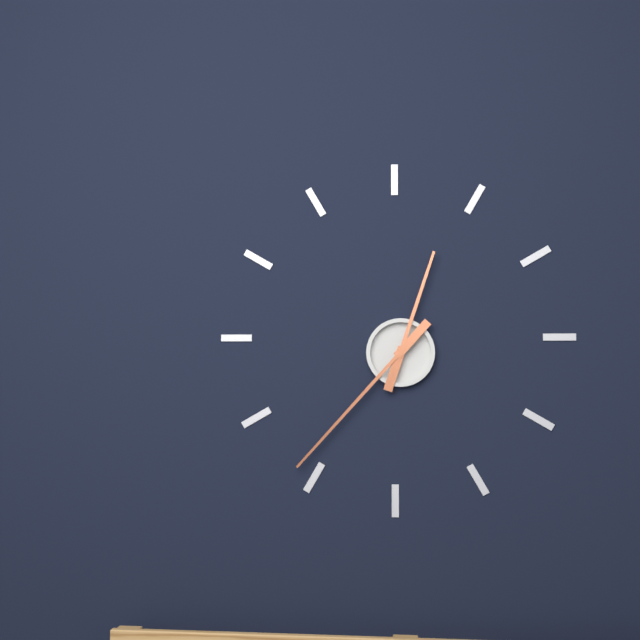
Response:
{"hour": 12, "minute": 37}
